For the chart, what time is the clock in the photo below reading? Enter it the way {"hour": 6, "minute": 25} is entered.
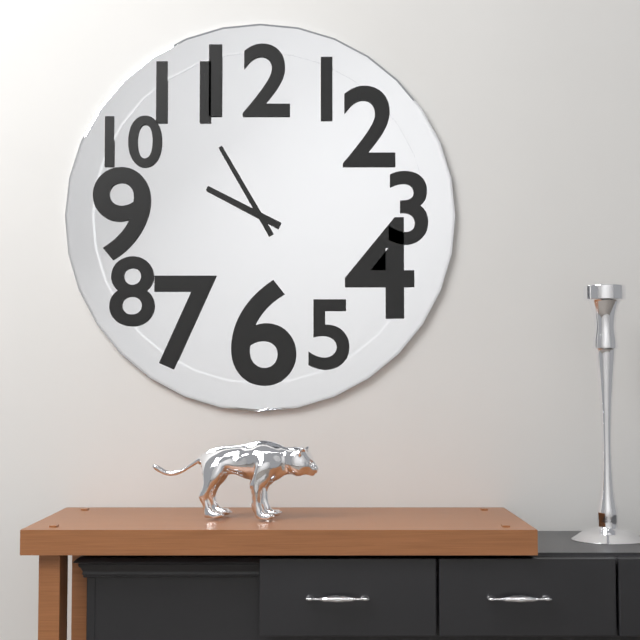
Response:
{"hour": 9, "minute": 55}
